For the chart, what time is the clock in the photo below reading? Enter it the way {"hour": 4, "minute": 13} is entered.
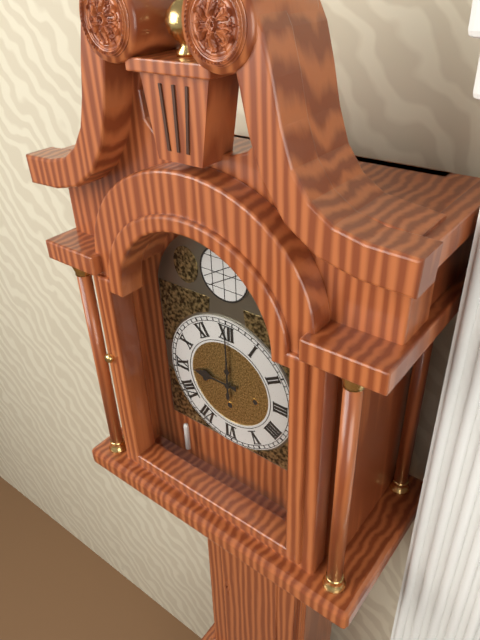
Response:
{"hour": 9, "minute": 0}
